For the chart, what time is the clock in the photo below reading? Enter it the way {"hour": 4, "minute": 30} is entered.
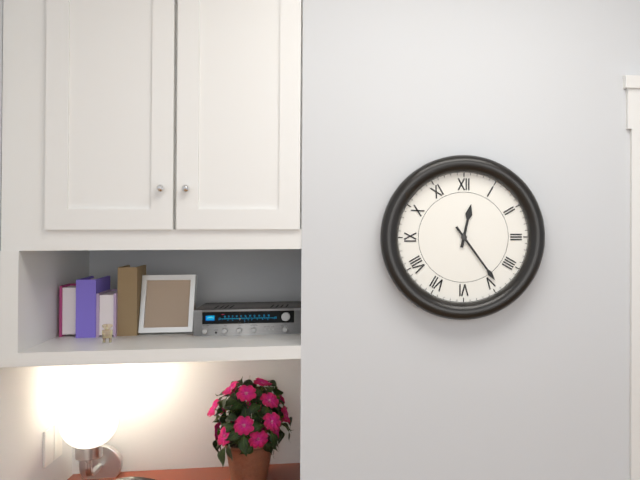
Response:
{"hour": 12, "minute": 24}
